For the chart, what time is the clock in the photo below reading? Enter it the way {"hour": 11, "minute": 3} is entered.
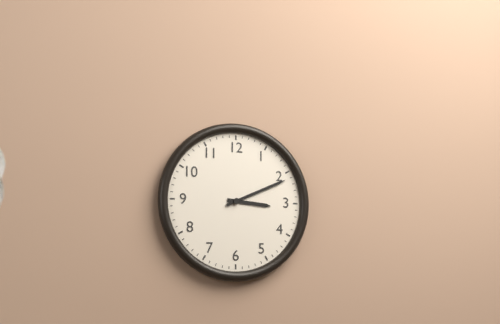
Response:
{"hour": 3, "minute": 11}
